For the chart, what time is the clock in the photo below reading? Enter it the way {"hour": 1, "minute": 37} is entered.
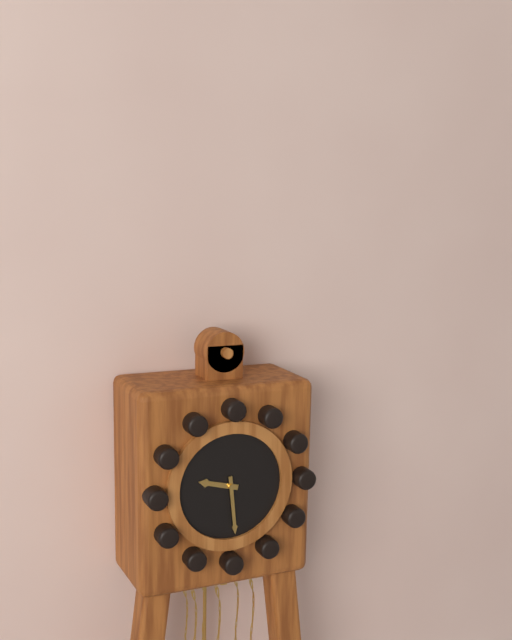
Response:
{"hour": 9, "minute": 29}
